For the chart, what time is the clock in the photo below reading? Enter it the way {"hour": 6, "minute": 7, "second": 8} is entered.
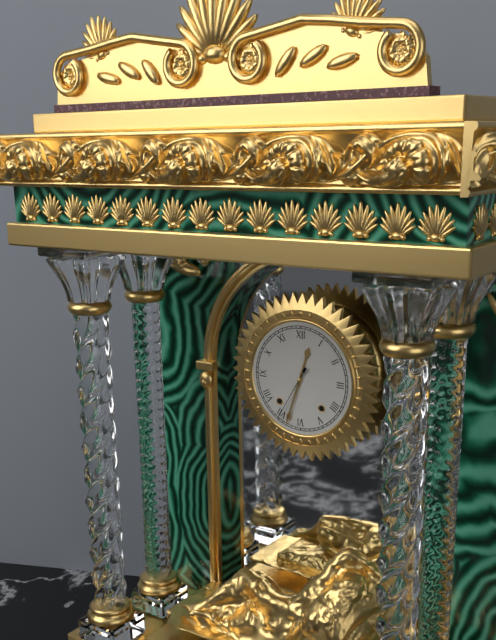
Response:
{"hour": 12, "minute": 33, "second": 35}
